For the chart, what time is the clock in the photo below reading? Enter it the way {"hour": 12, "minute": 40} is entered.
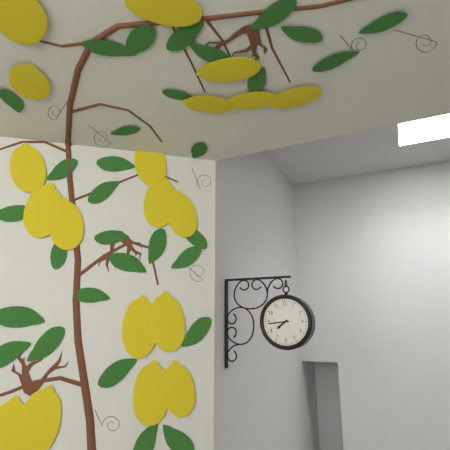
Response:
{"hour": 7, "minute": 44}
